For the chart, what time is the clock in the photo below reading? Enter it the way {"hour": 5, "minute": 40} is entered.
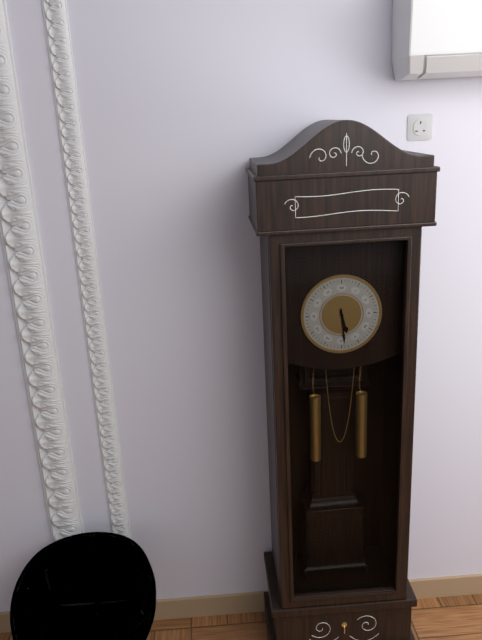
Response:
{"hour": 5, "minute": 29}
